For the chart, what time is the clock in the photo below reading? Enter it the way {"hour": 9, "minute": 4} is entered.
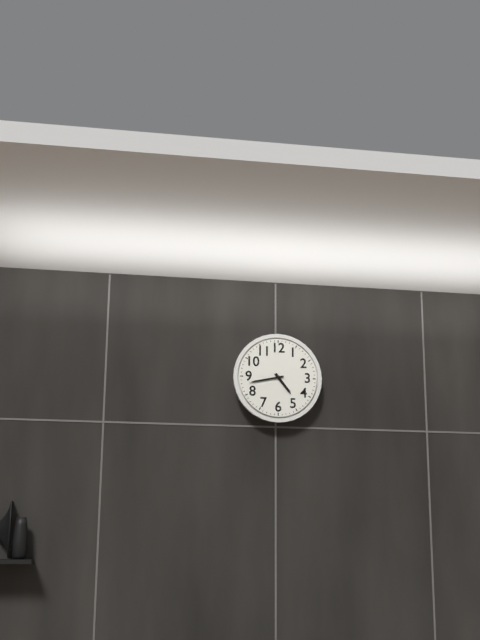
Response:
{"hour": 4, "minute": 43}
